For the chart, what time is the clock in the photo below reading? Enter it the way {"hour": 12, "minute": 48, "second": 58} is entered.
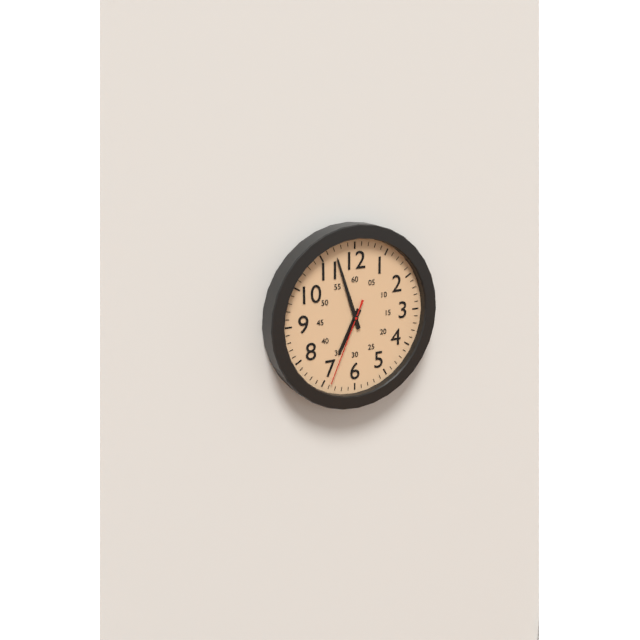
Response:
{"hour": 6, "minute": 57, "second": 34}
